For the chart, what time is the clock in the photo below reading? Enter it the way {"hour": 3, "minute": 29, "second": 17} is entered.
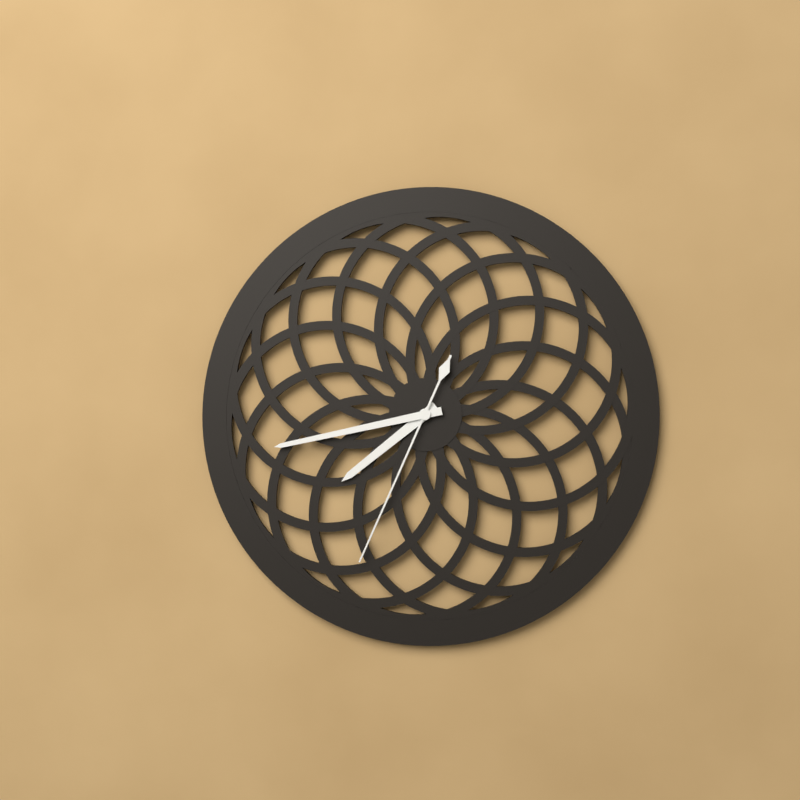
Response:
{"hour": 7, "minute": 43, "second": 34}
